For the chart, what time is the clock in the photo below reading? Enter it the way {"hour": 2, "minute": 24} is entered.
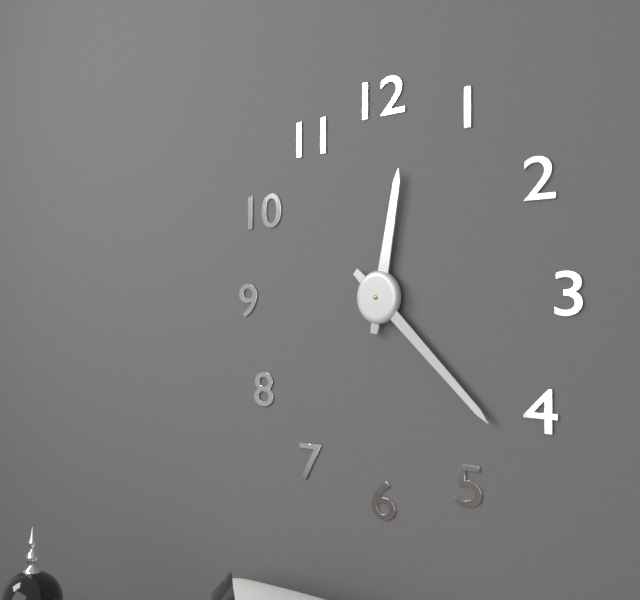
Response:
{"hour": 12, "minute": 22}
